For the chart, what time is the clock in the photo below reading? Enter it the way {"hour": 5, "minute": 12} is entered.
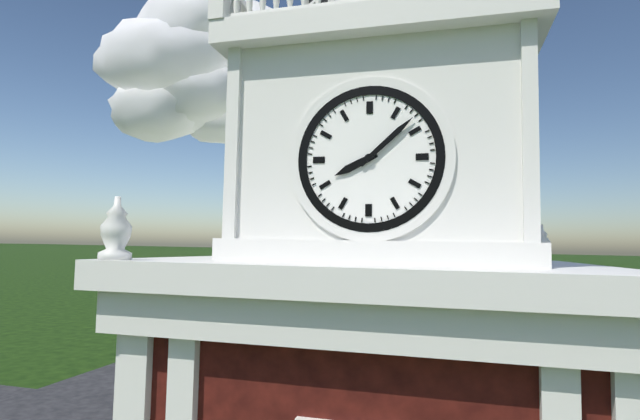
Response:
{"hour": 8, "minute": 8}
